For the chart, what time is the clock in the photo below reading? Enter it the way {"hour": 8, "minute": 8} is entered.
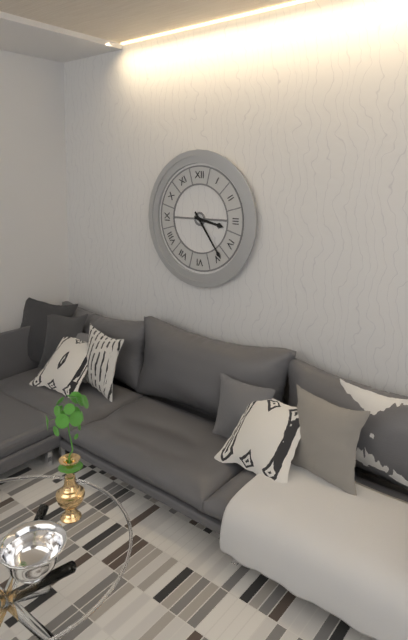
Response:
{"hour": 3, "minute": 24}
